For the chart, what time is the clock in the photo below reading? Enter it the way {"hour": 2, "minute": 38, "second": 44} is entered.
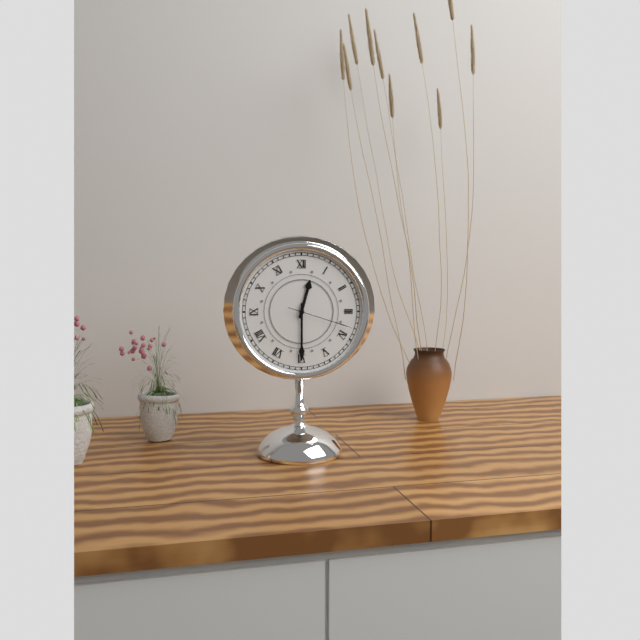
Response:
{"hour": 12, "minute": 30, "second": 18}
